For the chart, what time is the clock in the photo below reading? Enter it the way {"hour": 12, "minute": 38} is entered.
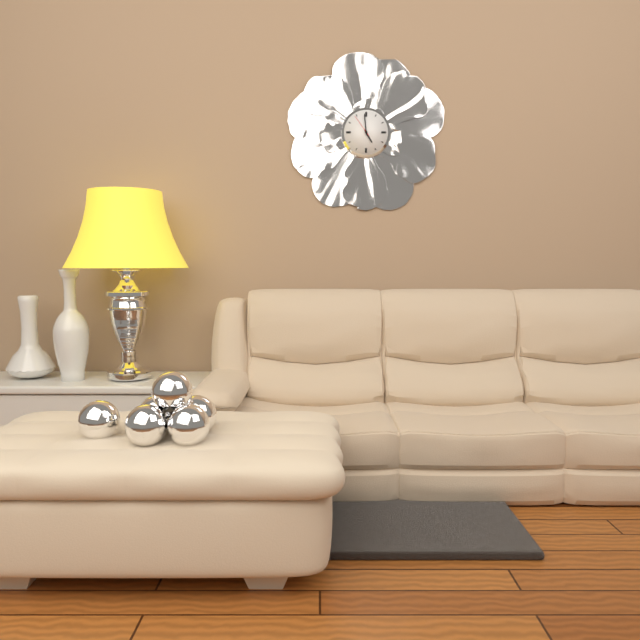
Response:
{"hour": 4, "minute": 59}
